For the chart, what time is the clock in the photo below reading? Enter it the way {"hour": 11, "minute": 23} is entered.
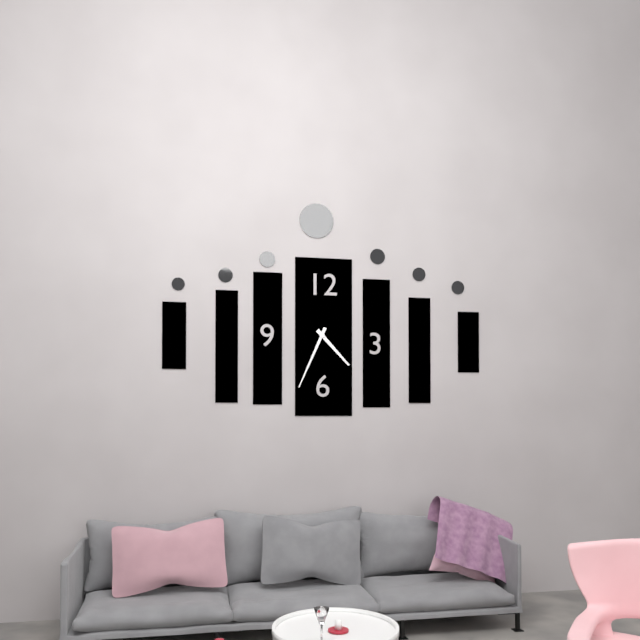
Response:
{"hour": 4, "minute": 34}
